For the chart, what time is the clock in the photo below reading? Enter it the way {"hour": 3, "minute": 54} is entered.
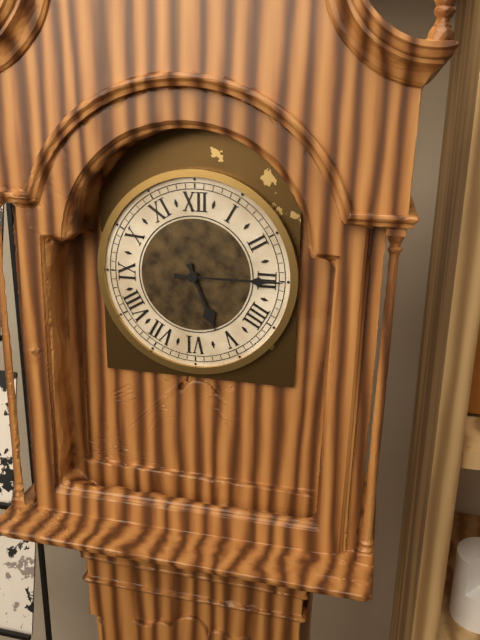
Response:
{"hour": 5, "minute": 15}
